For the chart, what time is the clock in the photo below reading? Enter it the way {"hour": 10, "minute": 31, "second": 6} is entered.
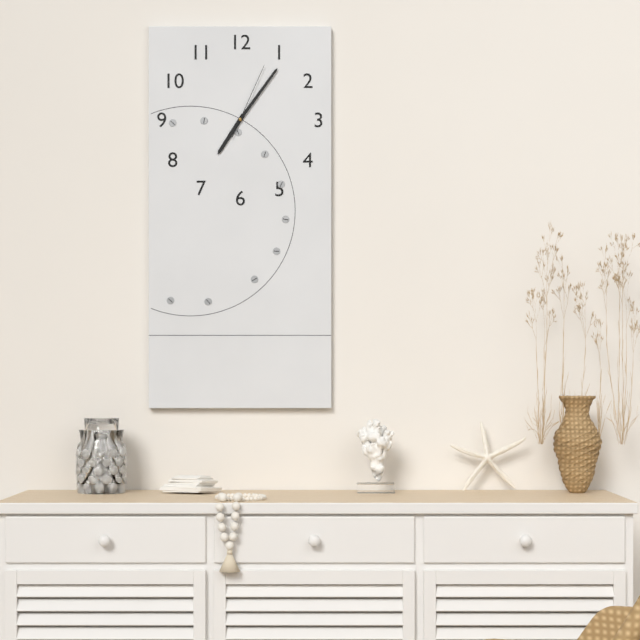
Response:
{"hour": 7, "minute": 6, "second": 4}
